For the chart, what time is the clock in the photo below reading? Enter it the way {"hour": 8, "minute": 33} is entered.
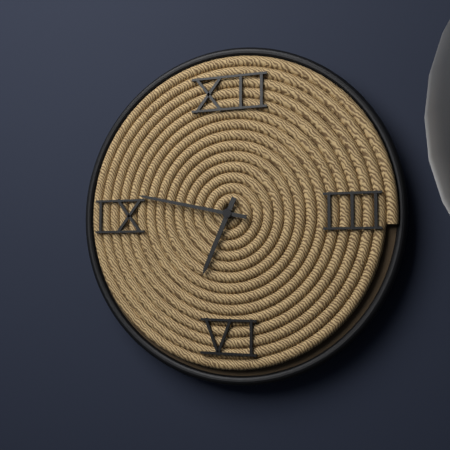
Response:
{"hour": 6, "minute": 47}
